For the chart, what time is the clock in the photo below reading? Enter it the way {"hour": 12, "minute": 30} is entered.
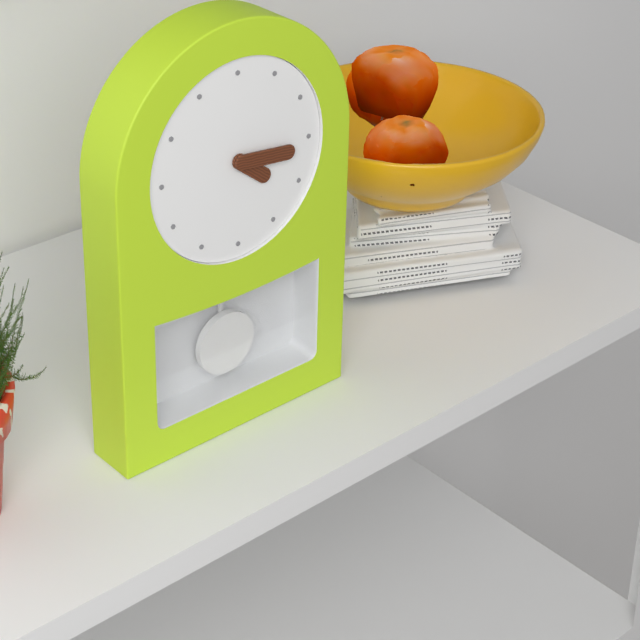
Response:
{"hour": 4, "minute": 16}
